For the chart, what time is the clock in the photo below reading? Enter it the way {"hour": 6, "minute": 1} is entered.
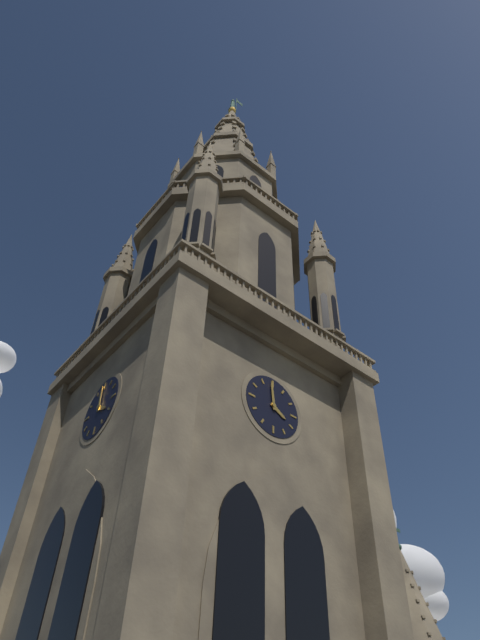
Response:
{"hour": 3, "minute": 59}
